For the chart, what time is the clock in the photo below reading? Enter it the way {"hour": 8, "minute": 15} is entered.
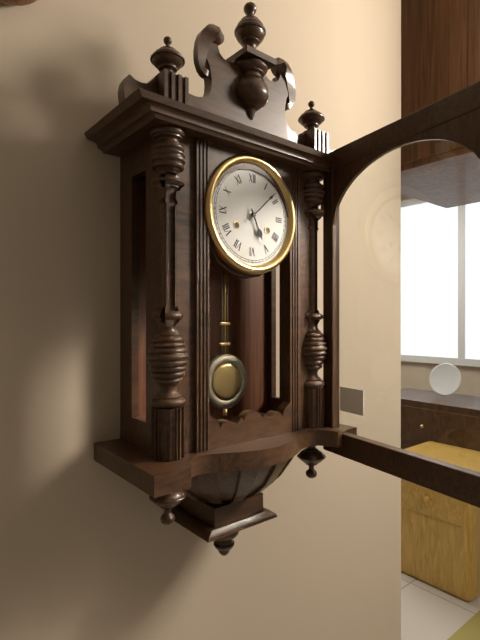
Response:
{"hour": 5, "minute": 8}
